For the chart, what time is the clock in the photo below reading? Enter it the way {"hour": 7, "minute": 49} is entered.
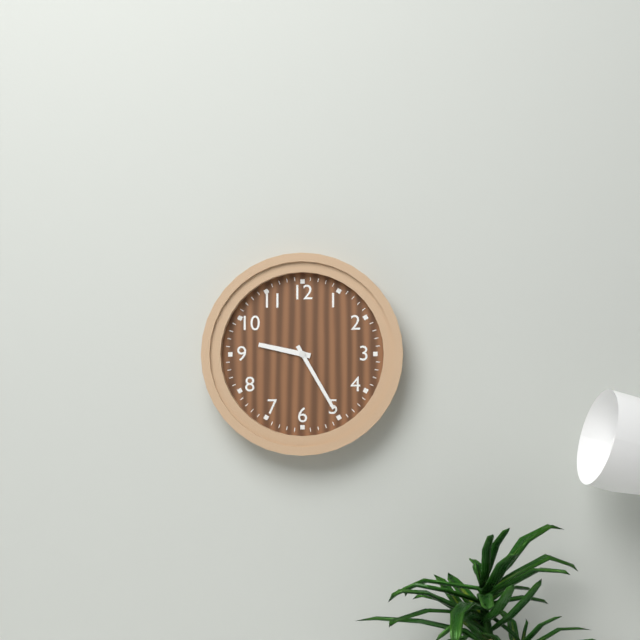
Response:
{"hour": 9, "minute": 25}
